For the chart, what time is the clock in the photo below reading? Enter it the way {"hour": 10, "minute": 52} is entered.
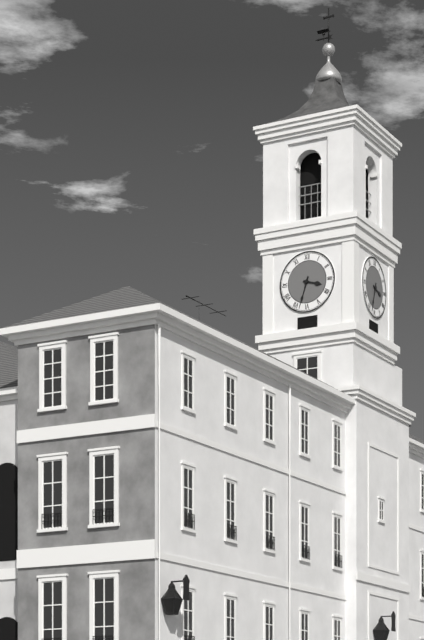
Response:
{"hour": 3, "minute": 33}
